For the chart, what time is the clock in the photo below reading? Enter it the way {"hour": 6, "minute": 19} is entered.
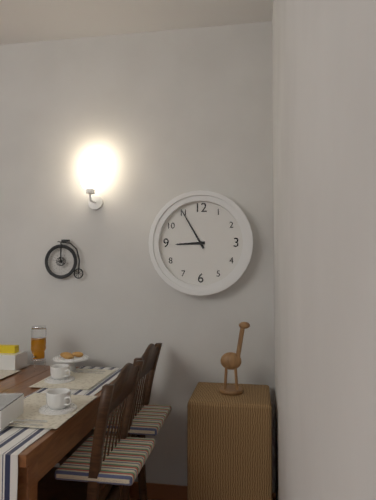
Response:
{"hour": 8, "minute": 55}
